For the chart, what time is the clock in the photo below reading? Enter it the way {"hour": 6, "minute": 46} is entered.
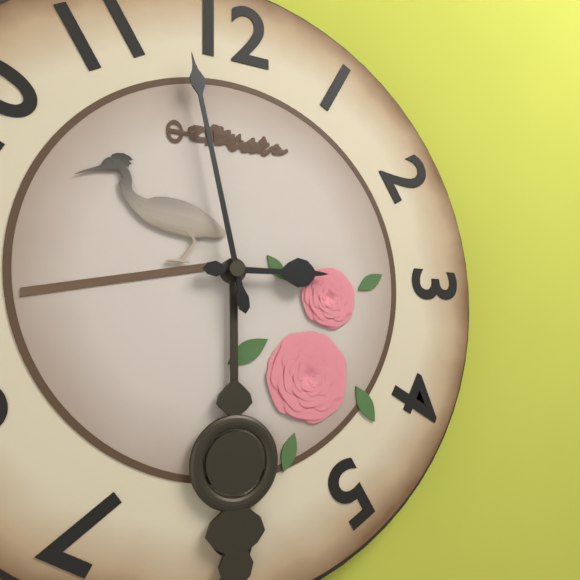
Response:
{"hour": 2, "minute": 58}
